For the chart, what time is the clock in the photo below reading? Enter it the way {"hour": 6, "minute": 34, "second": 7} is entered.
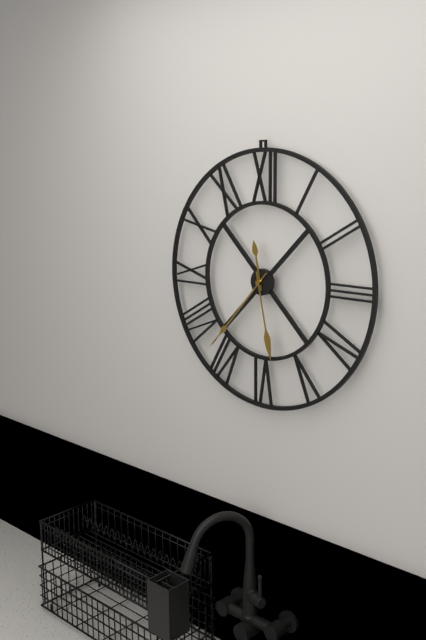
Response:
{"hour": 11, "minute": 37, "second": 28}
